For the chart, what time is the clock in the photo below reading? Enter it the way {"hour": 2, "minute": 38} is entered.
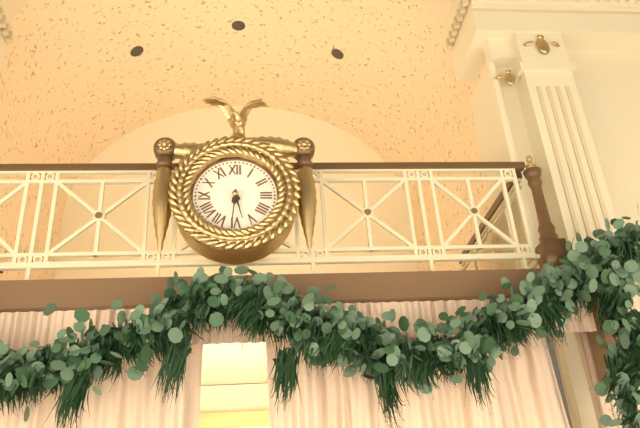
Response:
{"hour": 5, "minute": 31}
